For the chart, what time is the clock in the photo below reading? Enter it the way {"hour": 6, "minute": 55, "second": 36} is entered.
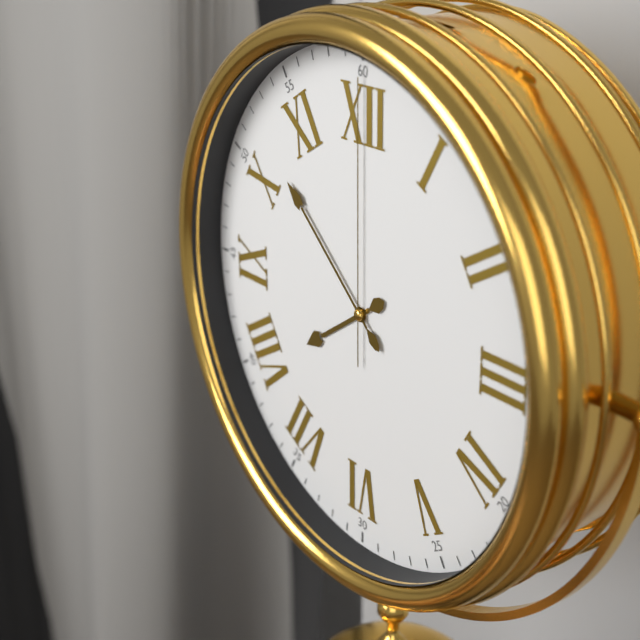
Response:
{"hour": 7, "minute": 52, "second": 0}
